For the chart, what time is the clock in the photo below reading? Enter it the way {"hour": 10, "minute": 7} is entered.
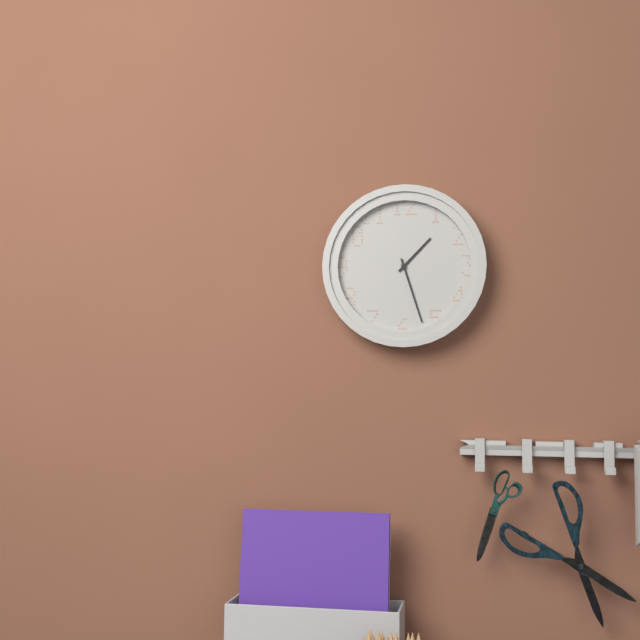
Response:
{"hour": 1, "minute": 27}
